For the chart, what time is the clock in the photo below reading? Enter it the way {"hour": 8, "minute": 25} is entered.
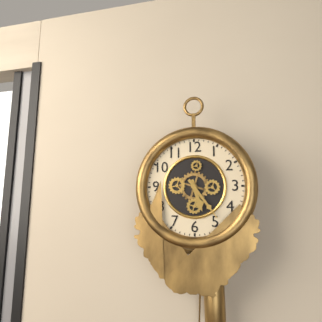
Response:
{"hour": 5, "minute": 24}
